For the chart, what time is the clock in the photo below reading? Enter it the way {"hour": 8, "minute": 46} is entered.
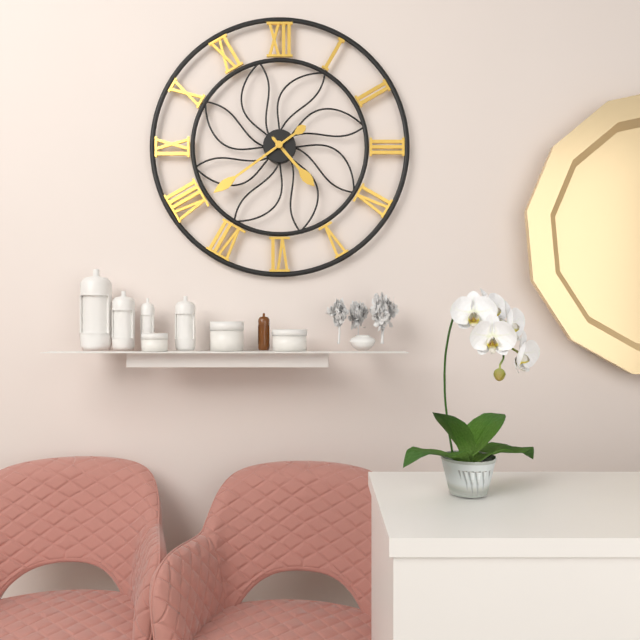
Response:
{"hour": 4, "minute": 39}
